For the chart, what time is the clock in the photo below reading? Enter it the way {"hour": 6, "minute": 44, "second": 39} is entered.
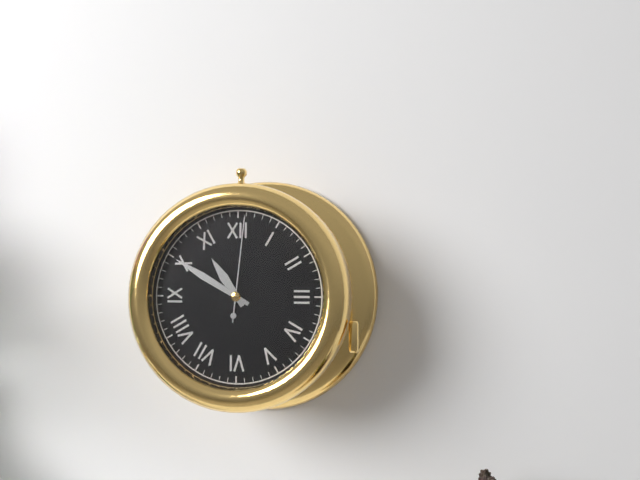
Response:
{"hour": 10, "minute": 50, "second": 1}
